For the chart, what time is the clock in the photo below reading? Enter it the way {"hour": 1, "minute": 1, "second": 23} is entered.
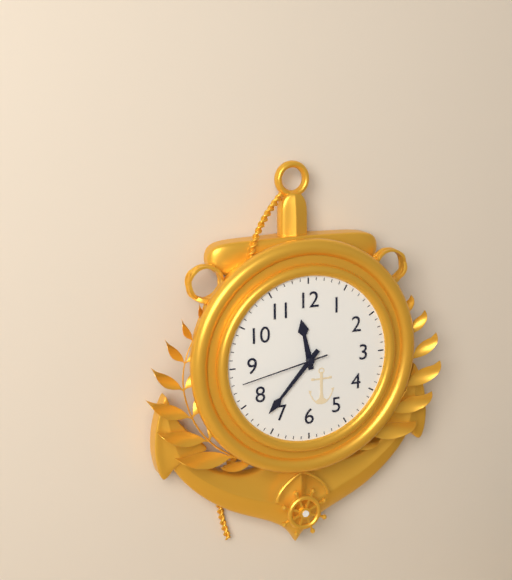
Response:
{"hour": 11, "minute": 37, "second": 43}
